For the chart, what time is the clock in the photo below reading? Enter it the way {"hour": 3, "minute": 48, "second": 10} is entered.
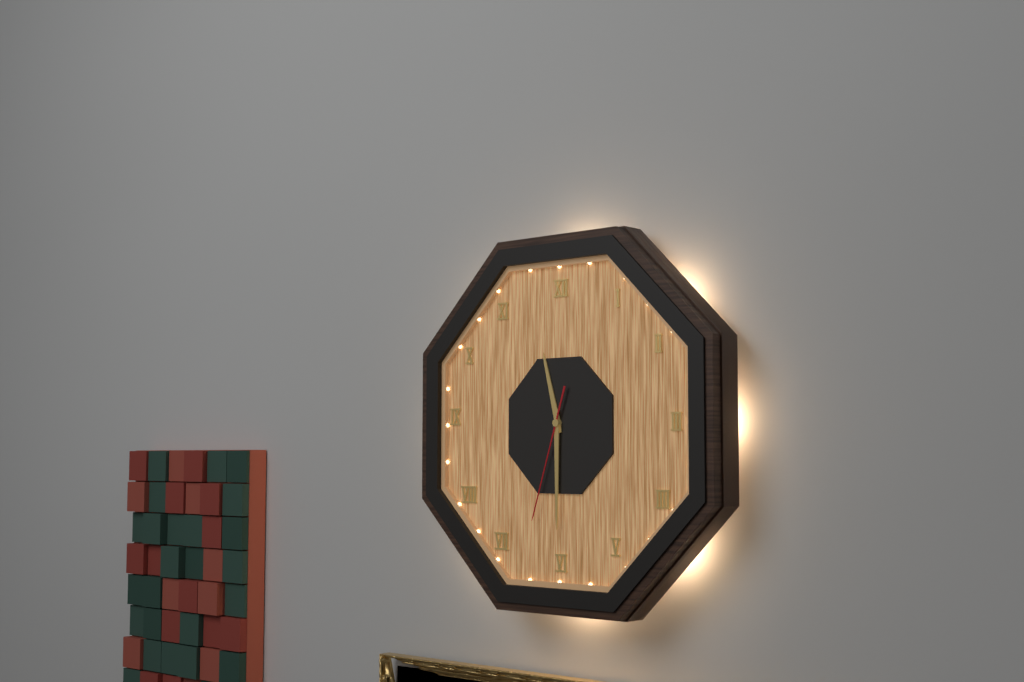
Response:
{"hour": 11, "minute": 30, "second": 33}
